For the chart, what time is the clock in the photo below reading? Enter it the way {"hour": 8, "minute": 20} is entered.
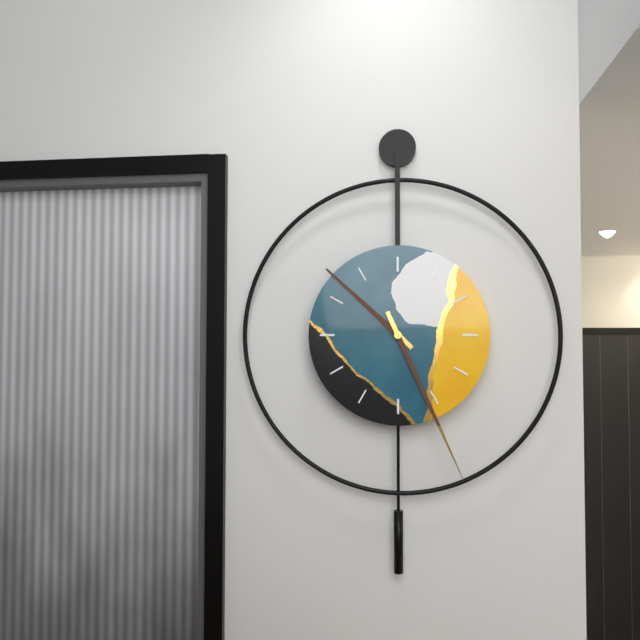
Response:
{"hour": 10, "minute": 26}
